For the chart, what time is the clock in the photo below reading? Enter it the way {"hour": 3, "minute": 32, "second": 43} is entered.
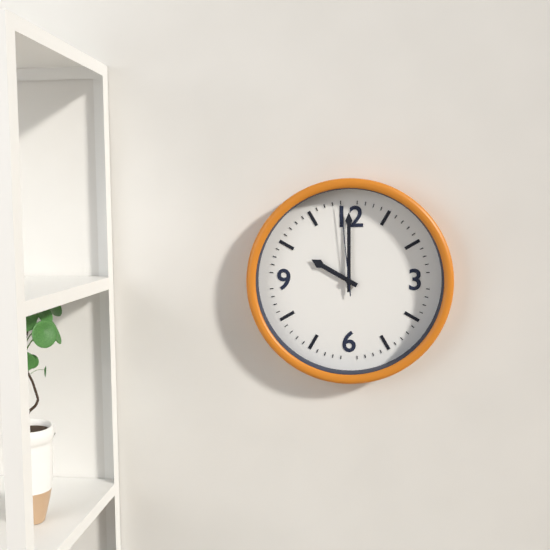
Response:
{"hour": 10, "minute": 0, "second": 59}
